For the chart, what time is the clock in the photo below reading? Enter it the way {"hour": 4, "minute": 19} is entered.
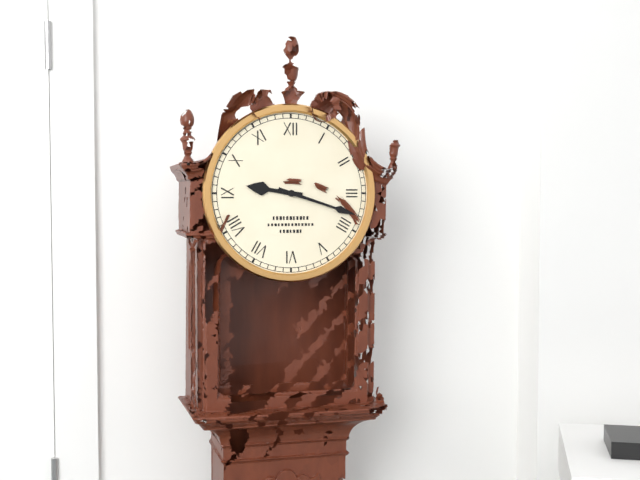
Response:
{"hour": 9, "minute": 18}
